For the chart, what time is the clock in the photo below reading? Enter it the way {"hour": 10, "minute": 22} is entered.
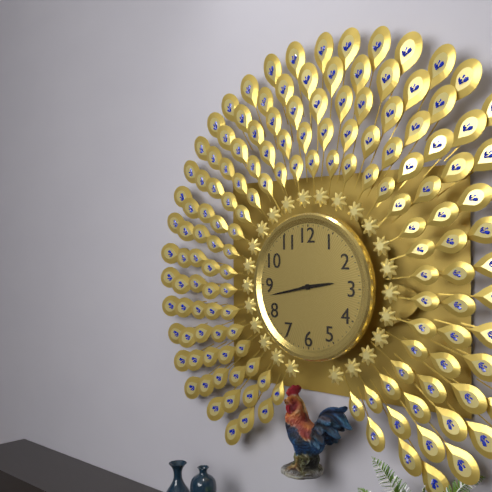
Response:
{"hour": 2, "minute": 43}
